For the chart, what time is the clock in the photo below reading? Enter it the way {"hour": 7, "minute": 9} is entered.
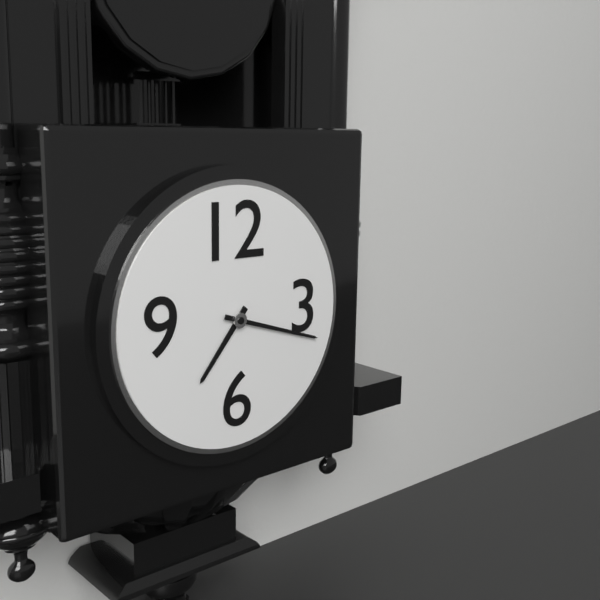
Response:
{"hour": 7, "minute": 18}
